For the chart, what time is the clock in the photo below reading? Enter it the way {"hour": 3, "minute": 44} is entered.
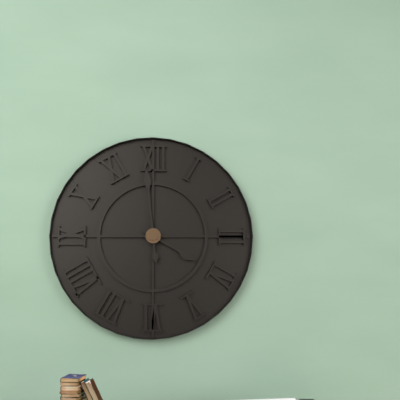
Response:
{"hour": 3, "minute": 59}
